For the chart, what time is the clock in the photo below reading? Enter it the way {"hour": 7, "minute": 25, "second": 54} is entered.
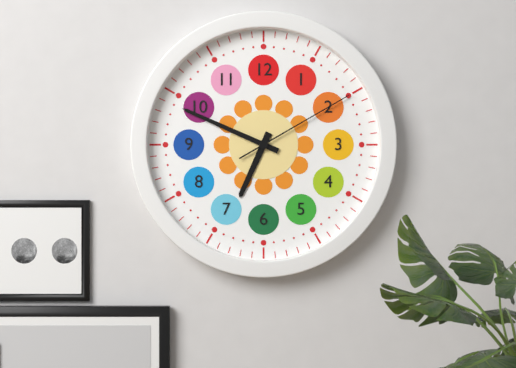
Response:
{"hour": 6, "minute": 49, "second": 10}
